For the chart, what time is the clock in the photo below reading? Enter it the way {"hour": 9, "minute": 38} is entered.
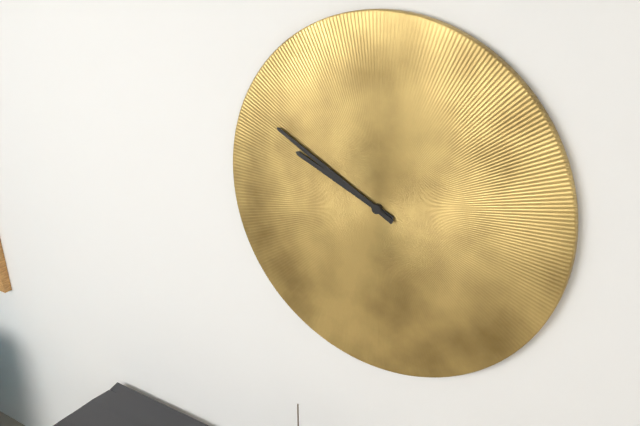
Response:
{"hour": 9, "minute": 50}
